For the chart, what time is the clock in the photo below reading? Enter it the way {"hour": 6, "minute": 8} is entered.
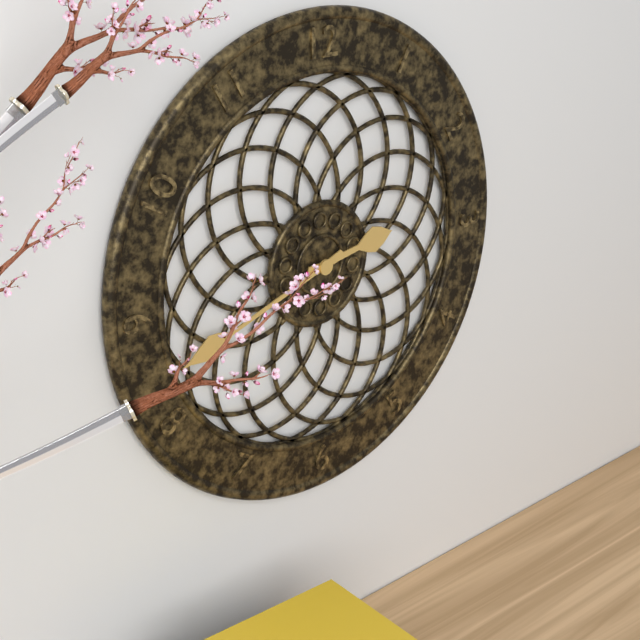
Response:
{"hour": 2, "minute": 42}
